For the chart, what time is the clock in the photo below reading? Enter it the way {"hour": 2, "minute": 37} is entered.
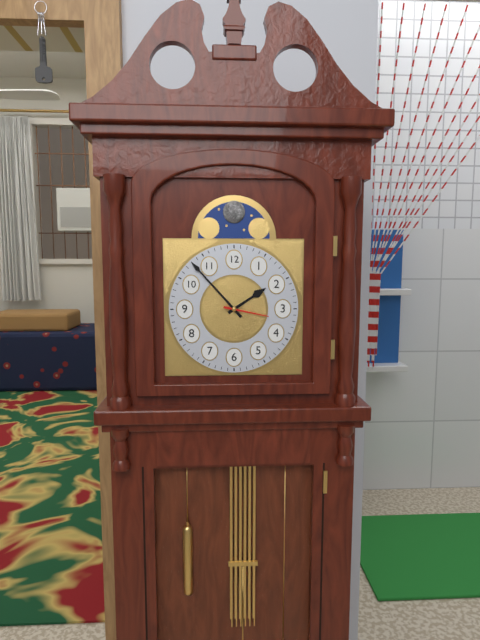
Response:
{"hour": 1, "minute": 53}
